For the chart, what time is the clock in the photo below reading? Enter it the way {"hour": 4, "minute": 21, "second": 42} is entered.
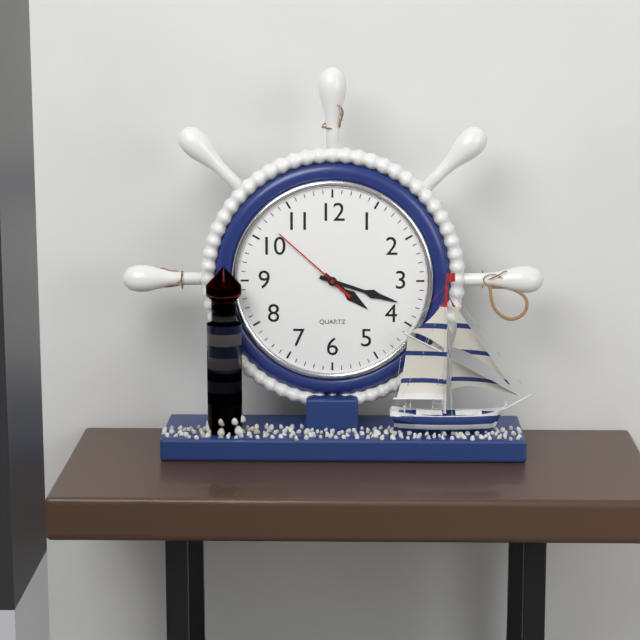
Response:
{"hour": 4, "minute": 18, "second": 52}
